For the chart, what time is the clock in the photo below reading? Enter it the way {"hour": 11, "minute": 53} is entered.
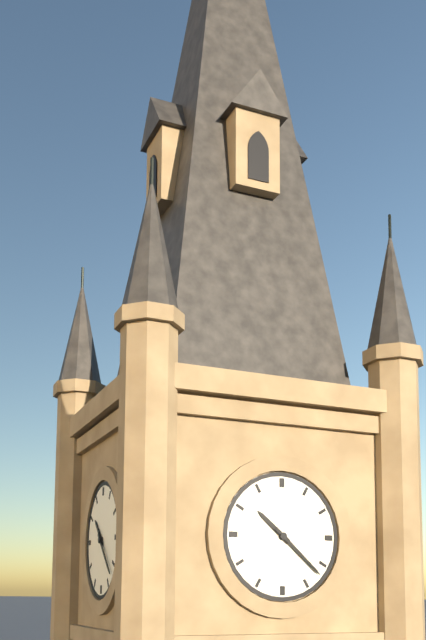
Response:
{"hour": 10, "minute": 22}
